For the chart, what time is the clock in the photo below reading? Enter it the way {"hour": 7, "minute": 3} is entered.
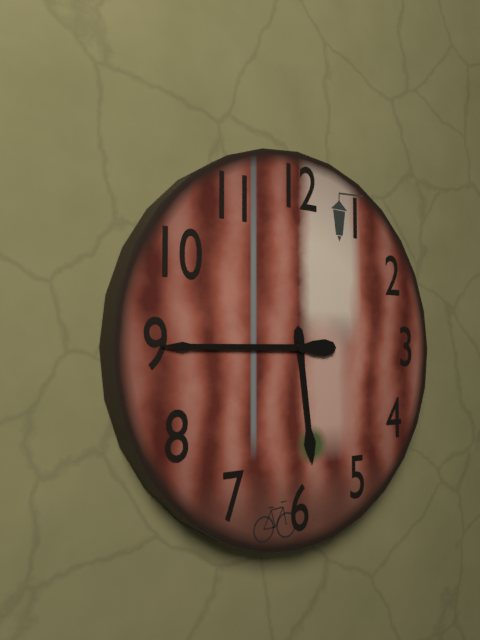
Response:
{"hour": 5, "minute": 45}
